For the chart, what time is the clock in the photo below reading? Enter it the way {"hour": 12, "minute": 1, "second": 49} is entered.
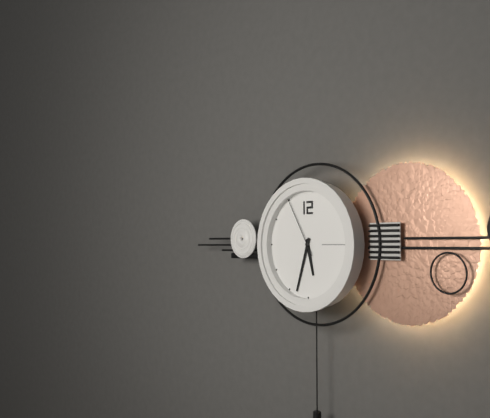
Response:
{"hour": 5, "minute": 33, "second": 55}
